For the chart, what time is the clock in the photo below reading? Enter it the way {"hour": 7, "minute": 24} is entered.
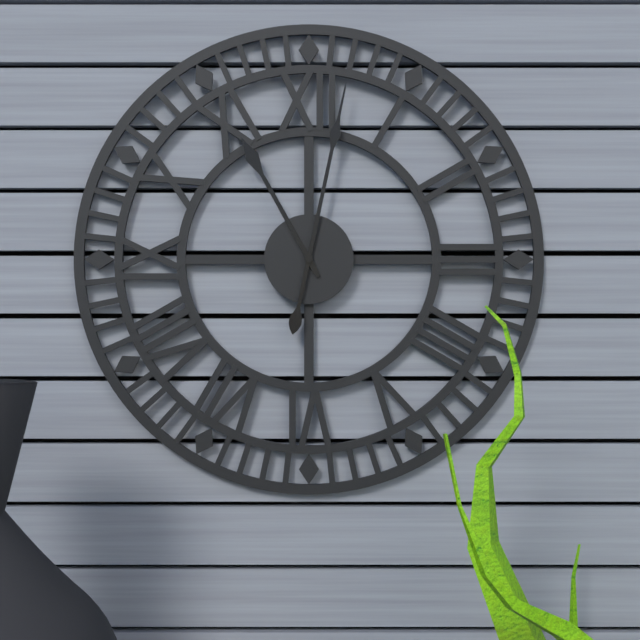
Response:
{"hour": 11, "minute": 2}
